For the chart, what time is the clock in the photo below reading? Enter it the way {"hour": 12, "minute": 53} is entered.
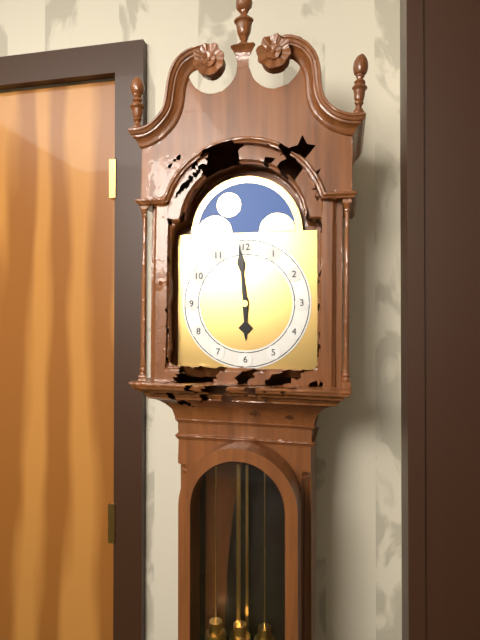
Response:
{"hour": 5, "minute": 59}
